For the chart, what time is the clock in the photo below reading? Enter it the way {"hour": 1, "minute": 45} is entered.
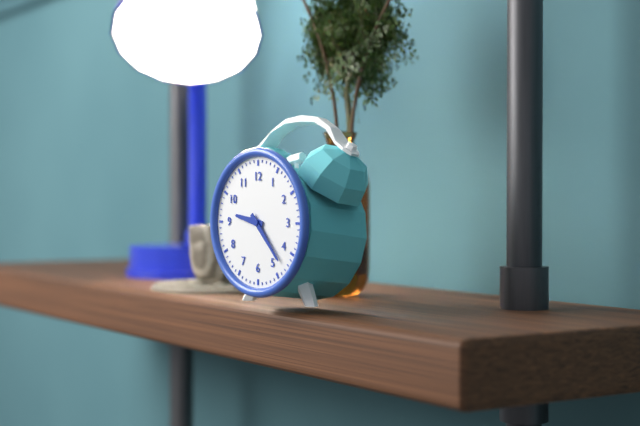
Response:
{"hour": 9, "minute": 23}
